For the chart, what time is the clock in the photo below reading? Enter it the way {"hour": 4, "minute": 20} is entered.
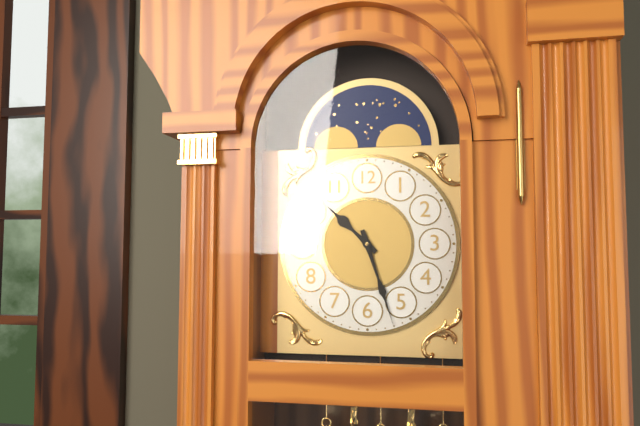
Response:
{"hour": 10, "minute": 27}
